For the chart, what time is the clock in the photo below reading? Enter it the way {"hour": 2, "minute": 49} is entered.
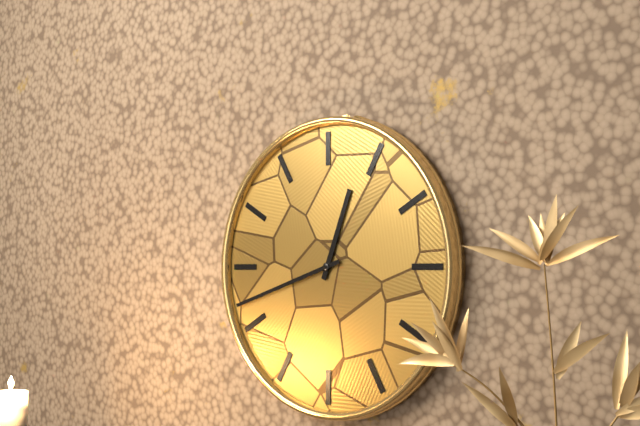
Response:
{"hour": 12, "minute": 42}
